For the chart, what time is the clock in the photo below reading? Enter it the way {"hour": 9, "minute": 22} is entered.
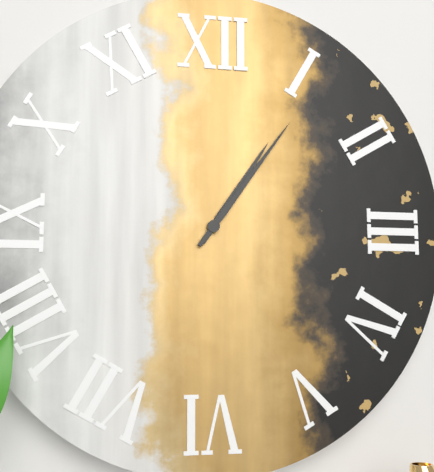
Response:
{"hour": 1, "minute": 6}
